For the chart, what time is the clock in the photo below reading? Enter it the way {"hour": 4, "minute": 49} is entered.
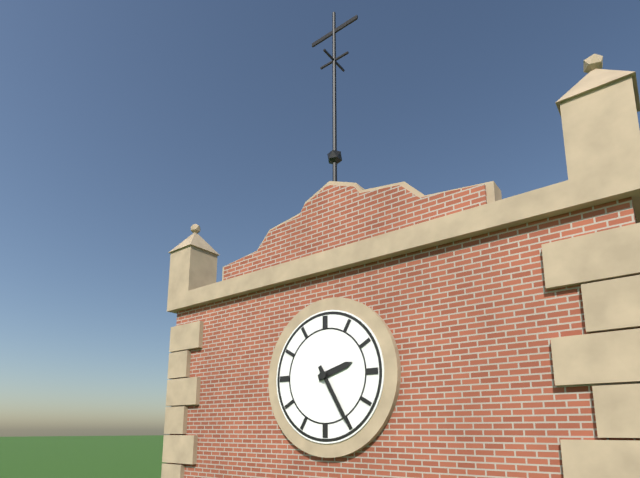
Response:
{"hour": 2, "minute": 25}
